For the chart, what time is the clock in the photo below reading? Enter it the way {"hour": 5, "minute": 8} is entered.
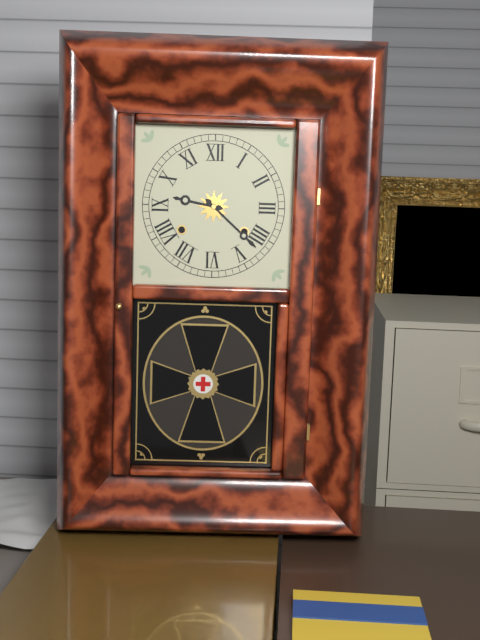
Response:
{"hour": 9, "minute": 22}
